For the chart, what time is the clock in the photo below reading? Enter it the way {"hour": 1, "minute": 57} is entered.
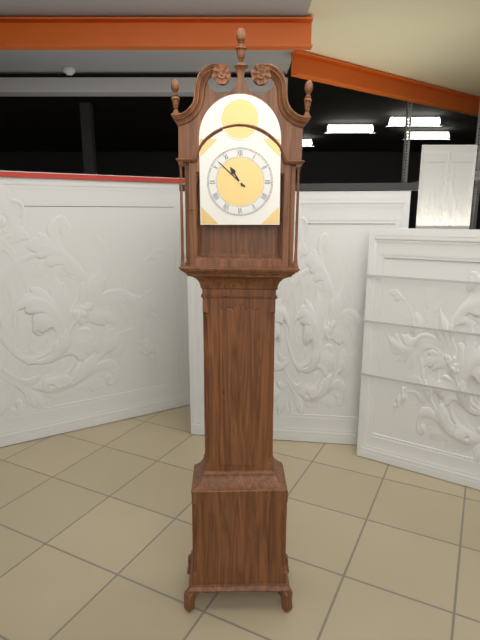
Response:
{"hour": 10, "minute": 52}
